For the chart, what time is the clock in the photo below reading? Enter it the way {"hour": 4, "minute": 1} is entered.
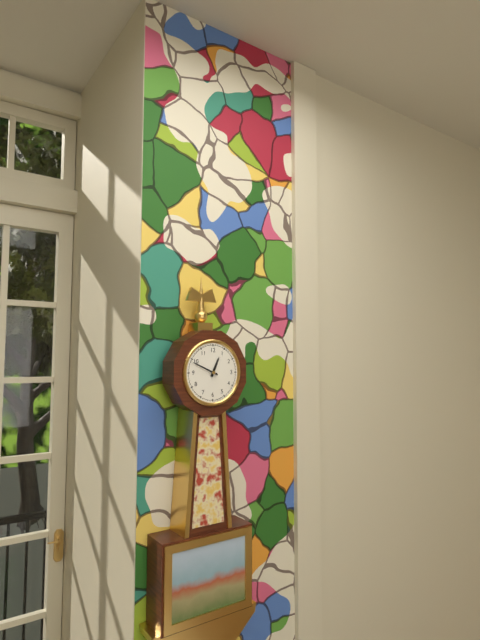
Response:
{"hour": 12, "minute": 49}
